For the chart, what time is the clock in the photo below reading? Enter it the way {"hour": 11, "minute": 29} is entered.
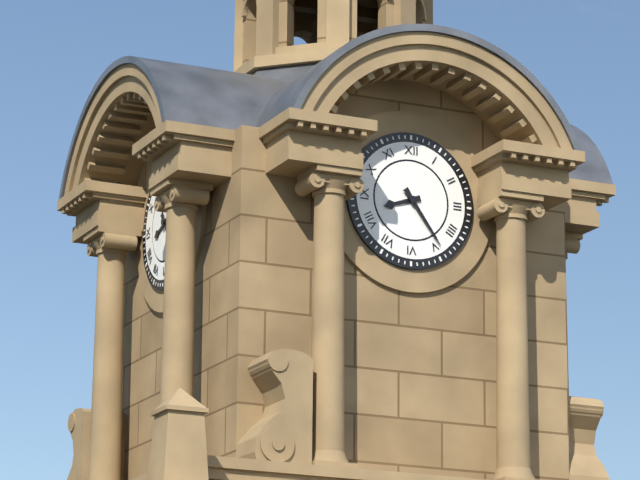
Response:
{"hour": 8, "minute": 24}
